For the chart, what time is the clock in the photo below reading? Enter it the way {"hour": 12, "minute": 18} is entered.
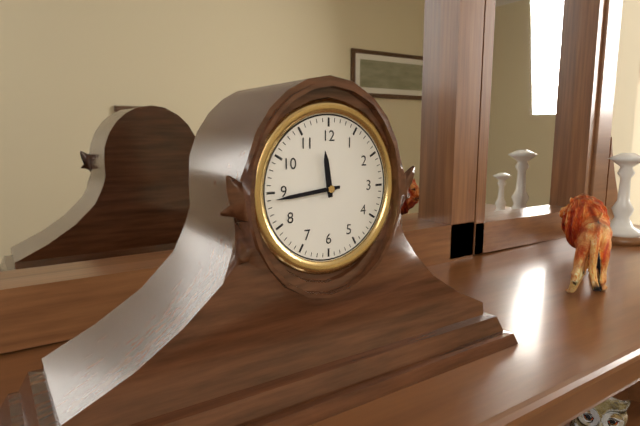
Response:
{"hour": 11, "minute": 44}
